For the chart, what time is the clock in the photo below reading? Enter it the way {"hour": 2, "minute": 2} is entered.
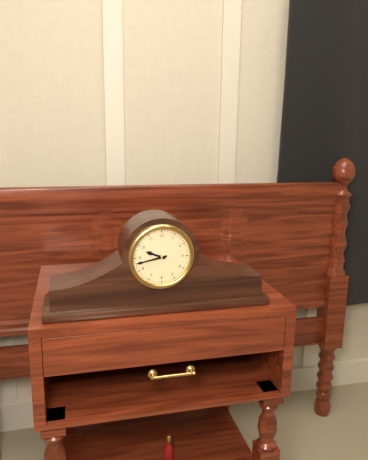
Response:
{"hour": 9, "minute": 43}
